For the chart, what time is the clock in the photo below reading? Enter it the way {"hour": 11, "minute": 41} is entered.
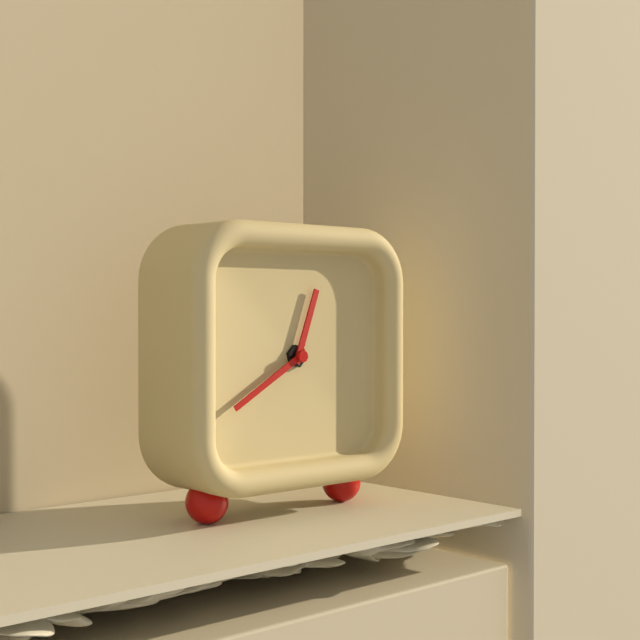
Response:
{"hour": 12, "minute": 40}
